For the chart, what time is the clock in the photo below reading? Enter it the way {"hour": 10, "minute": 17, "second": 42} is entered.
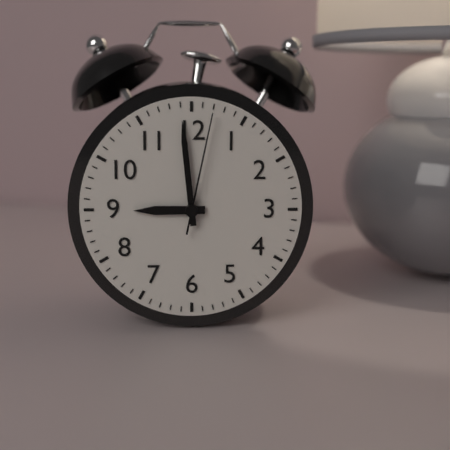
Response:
{"hour": 8, "minute": 59, "second": 2}
